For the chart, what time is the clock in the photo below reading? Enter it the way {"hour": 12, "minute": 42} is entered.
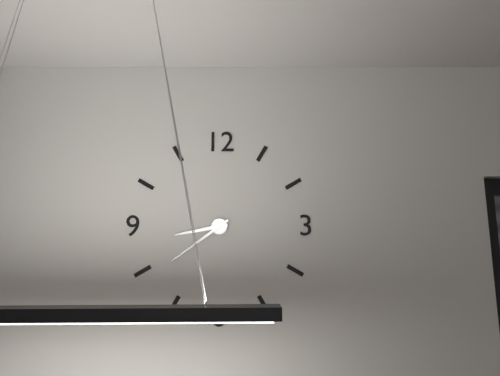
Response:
{"hour": 8, "minute": 39}
